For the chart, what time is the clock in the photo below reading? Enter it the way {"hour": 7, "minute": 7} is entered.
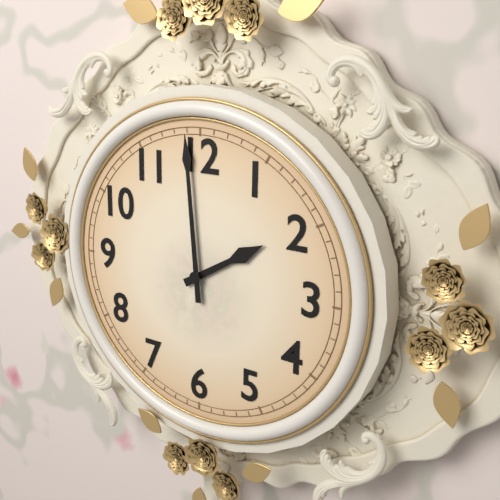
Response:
{"hour": 1, "minute": 59}
